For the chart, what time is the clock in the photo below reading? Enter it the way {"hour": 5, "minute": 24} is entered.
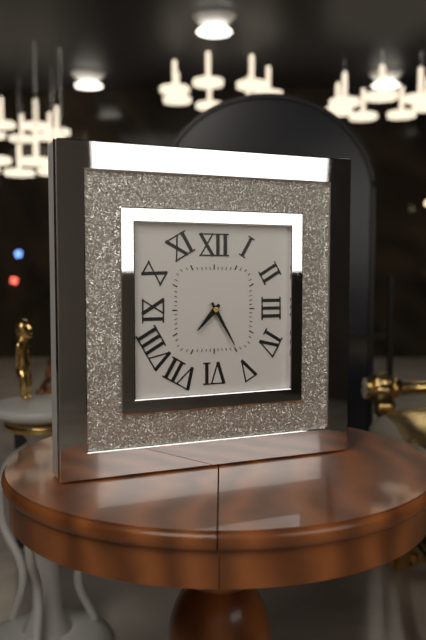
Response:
{"hour": 7, "minute": 25}
